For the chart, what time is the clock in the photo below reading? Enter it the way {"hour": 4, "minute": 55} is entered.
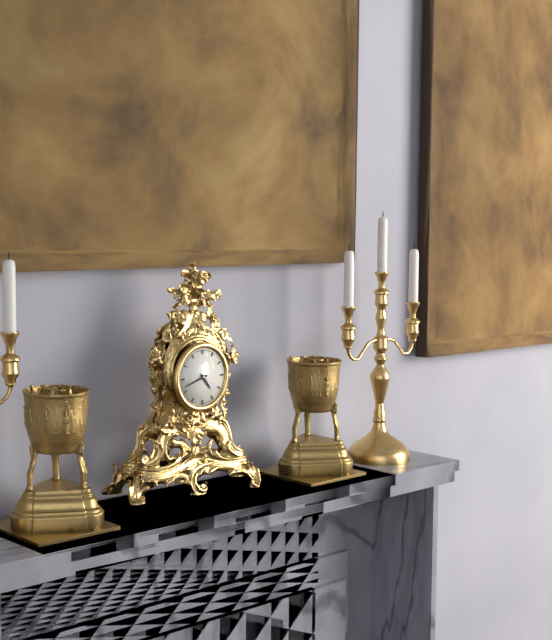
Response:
{"hour": 4, "minute": 42}
